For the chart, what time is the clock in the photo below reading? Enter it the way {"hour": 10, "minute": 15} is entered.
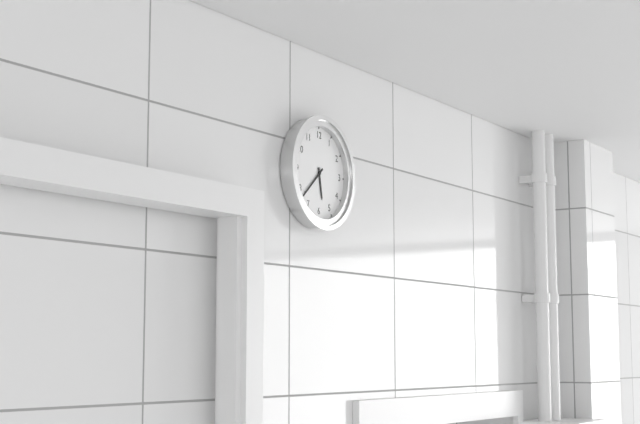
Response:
{"hour": 5, "minute": 38}
